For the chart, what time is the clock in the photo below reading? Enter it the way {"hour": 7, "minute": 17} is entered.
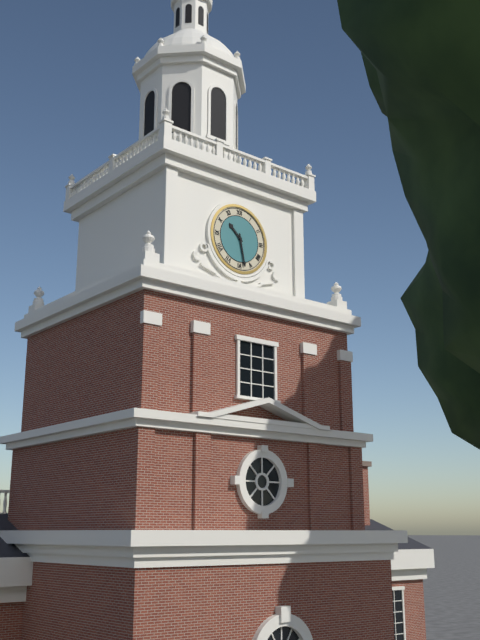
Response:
{"hour": 10, "minute": 28}
